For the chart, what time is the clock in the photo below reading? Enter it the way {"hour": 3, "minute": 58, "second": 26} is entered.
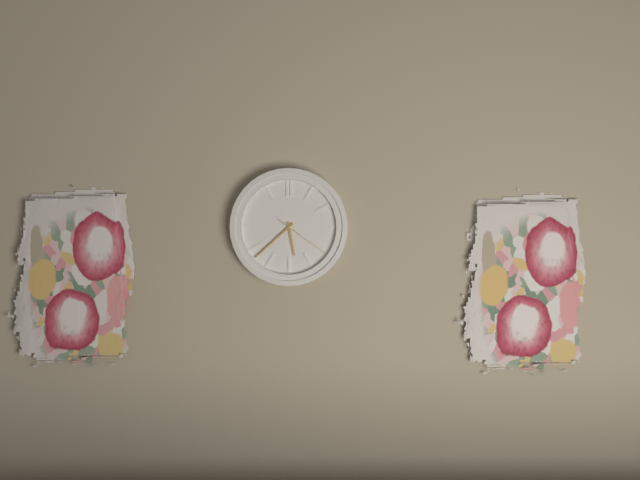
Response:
{"hour": 5, "minute": 38, "second": 21}
